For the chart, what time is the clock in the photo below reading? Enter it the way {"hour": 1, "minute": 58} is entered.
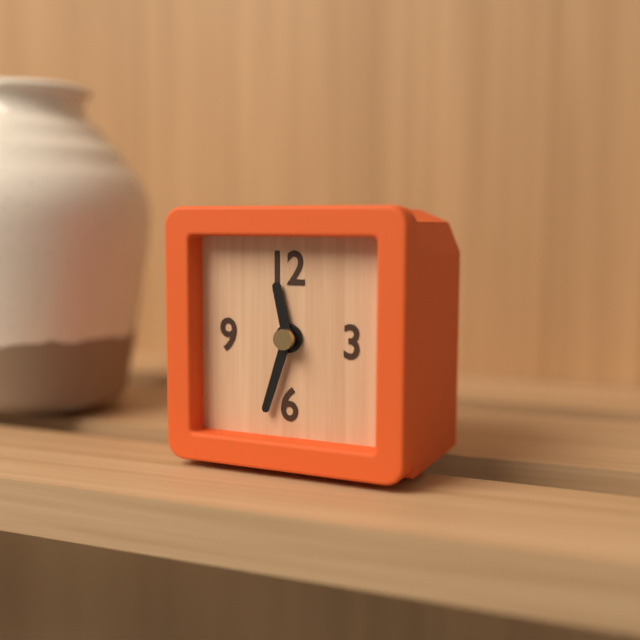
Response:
{"hour": 11, "minute": 33}
